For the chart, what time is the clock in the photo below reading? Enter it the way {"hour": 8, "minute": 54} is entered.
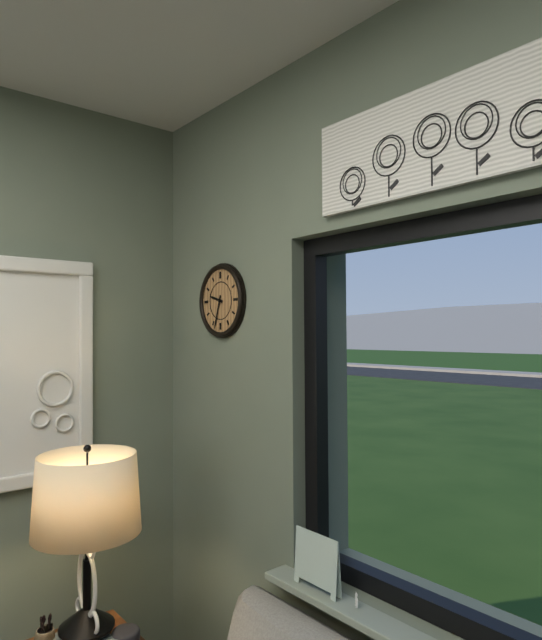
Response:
{"hour": 9, "minute": 33}
